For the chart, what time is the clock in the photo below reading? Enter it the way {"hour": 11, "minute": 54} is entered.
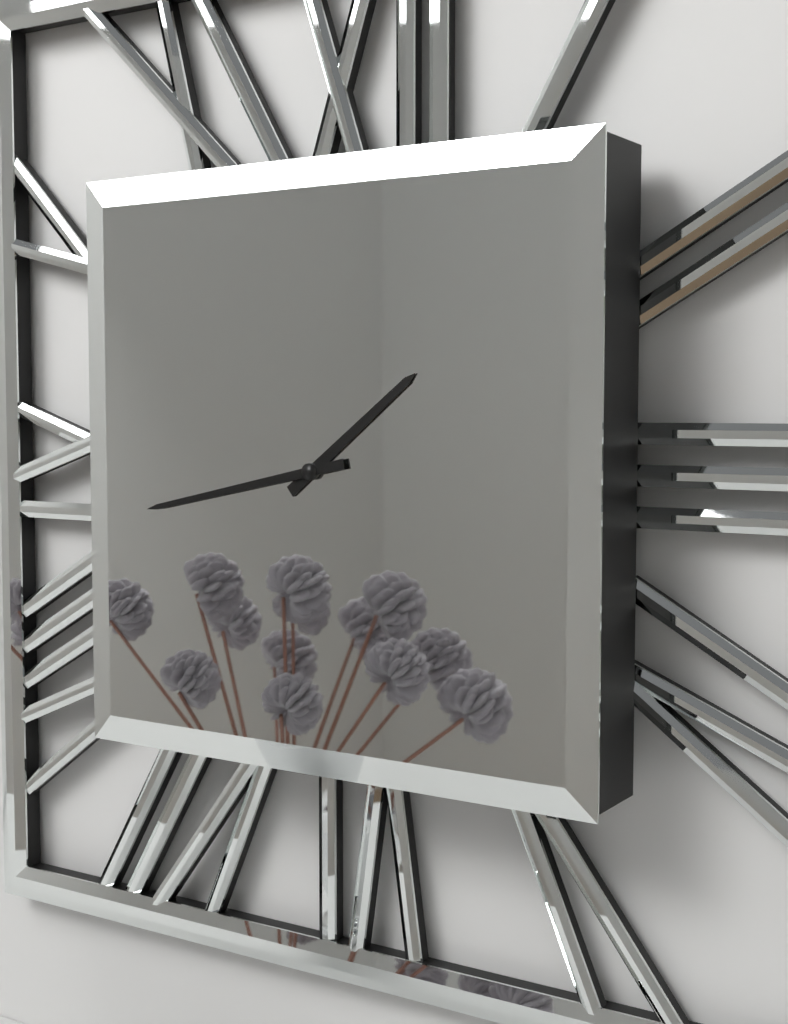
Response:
{"hour": 1, "minute": 43}
